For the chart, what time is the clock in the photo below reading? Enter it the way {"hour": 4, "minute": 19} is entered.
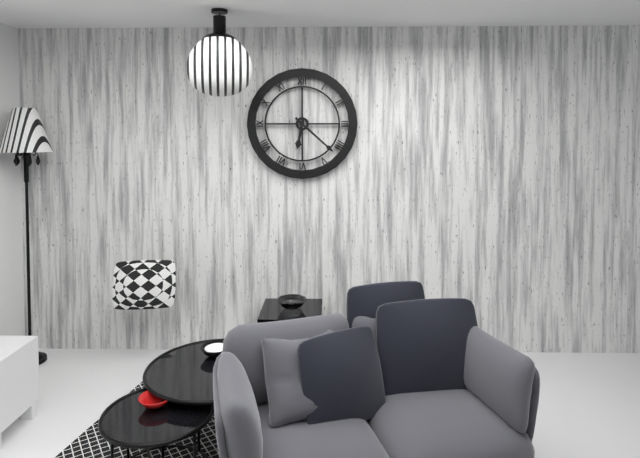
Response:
{"hour": 6, "minute": 22}
